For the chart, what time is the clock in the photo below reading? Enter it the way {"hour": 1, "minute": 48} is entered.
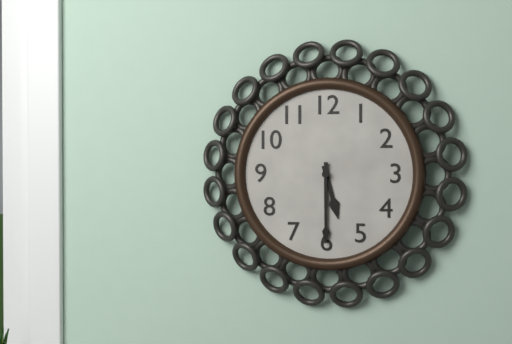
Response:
{"hour": 5, "minute": 30}
